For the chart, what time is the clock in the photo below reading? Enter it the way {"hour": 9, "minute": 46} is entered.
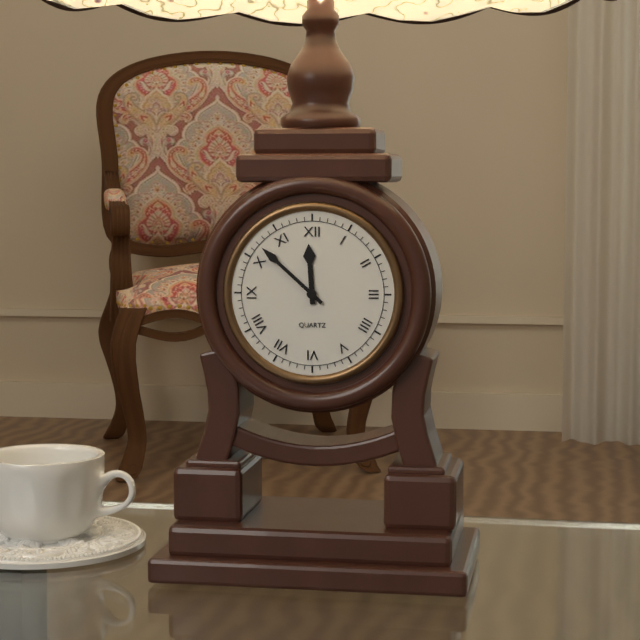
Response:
{"hour": 11, "minute": 52}
